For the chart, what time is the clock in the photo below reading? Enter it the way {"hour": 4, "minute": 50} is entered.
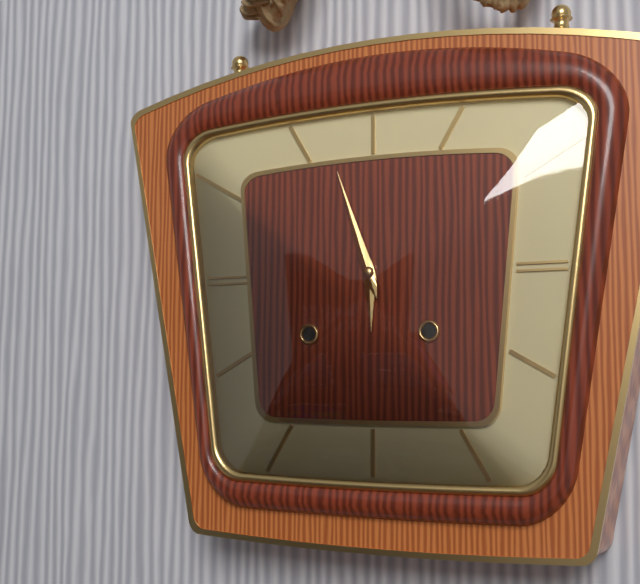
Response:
{"hour": 5, "minute": 57}
